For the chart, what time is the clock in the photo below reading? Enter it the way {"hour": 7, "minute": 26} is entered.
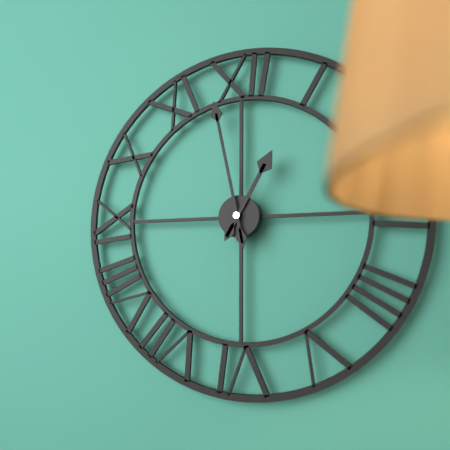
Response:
{"hour": 12, "minute": 58}
